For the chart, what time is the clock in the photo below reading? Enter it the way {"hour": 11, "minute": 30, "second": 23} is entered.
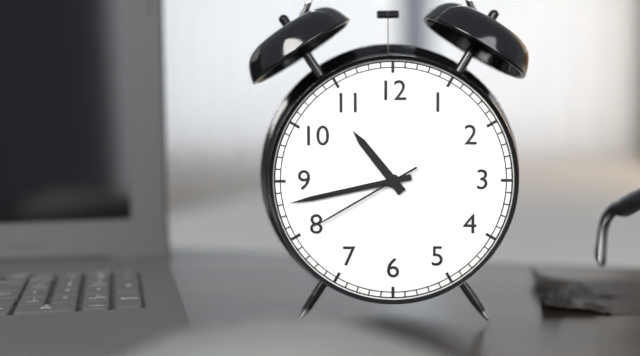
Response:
{"hour": 10, "minute": 43, "second": 40}
